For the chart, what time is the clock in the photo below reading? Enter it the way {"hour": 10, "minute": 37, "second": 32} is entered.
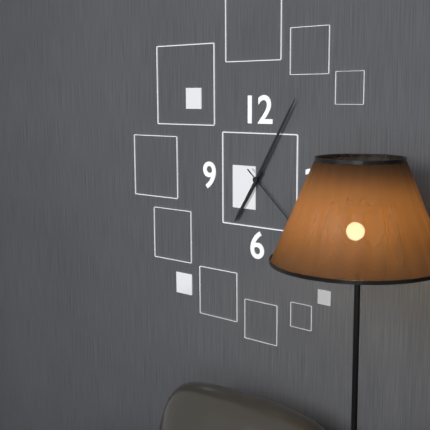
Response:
{"hour": 7, "minute": 5, "second": 22}
